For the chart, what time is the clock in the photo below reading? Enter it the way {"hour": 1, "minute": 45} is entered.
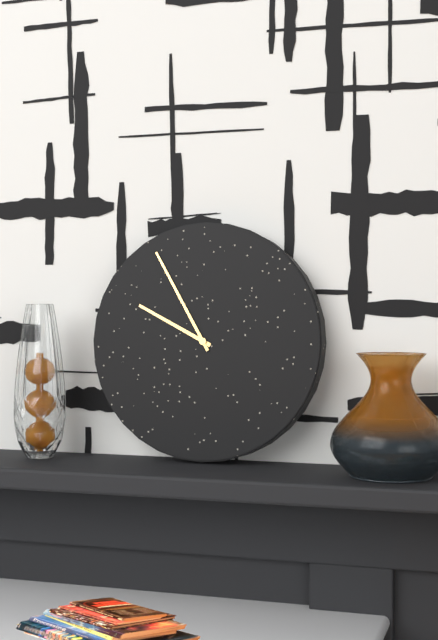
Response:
{"hour": 9, "minute": 55}
